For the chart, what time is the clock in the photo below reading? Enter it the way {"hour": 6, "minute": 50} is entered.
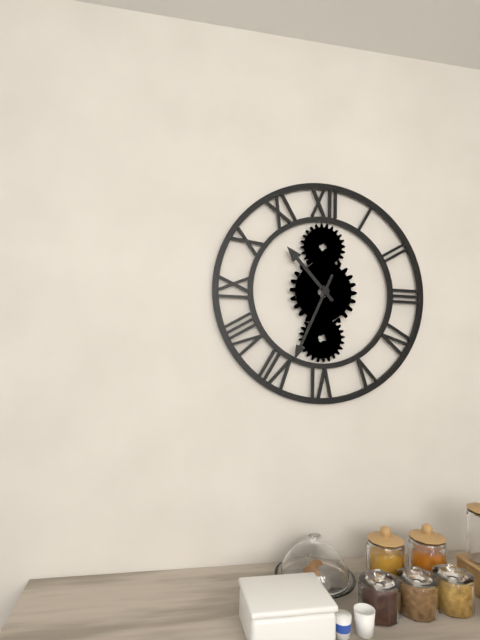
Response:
{"hour": 10, "minute": 34}
